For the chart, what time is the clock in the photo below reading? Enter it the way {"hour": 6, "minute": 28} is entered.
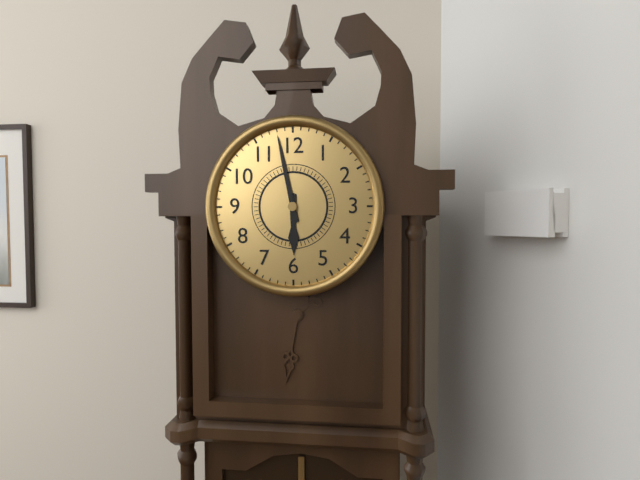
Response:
{"hour": 5, "minute": 58}
